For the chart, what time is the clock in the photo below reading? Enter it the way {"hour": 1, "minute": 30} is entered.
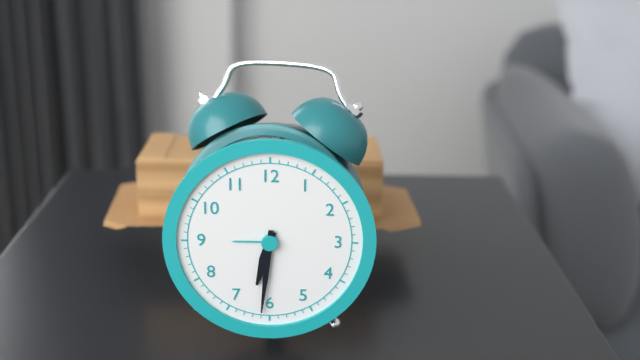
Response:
{"hour": 6, "minute": 31}
